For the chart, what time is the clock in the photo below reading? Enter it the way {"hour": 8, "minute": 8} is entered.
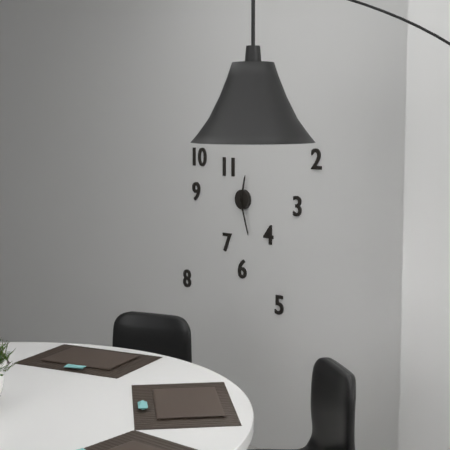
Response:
{"hour": 12, "minute": 27}
